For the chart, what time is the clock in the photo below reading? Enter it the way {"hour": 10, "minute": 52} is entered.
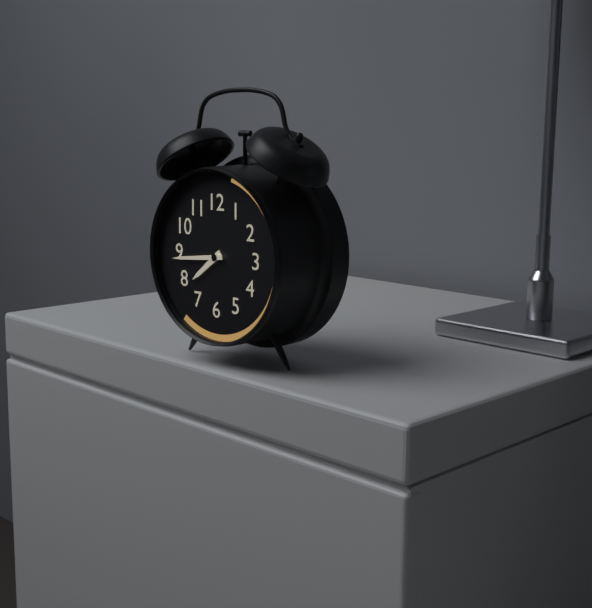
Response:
{"hour": 7, "minute": 44}
